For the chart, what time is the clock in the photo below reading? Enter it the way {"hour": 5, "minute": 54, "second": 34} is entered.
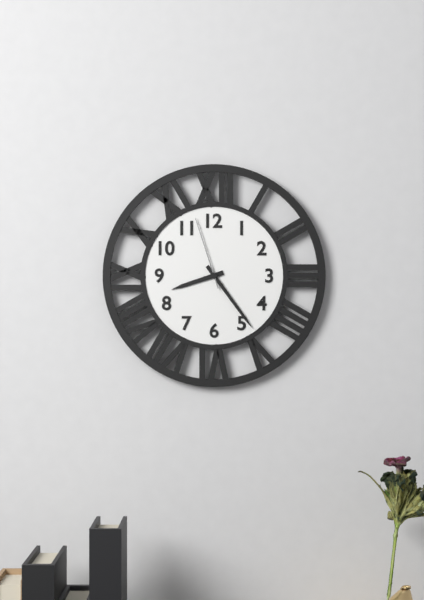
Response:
{"hour": 8, "minute": 24, "second": 57}
